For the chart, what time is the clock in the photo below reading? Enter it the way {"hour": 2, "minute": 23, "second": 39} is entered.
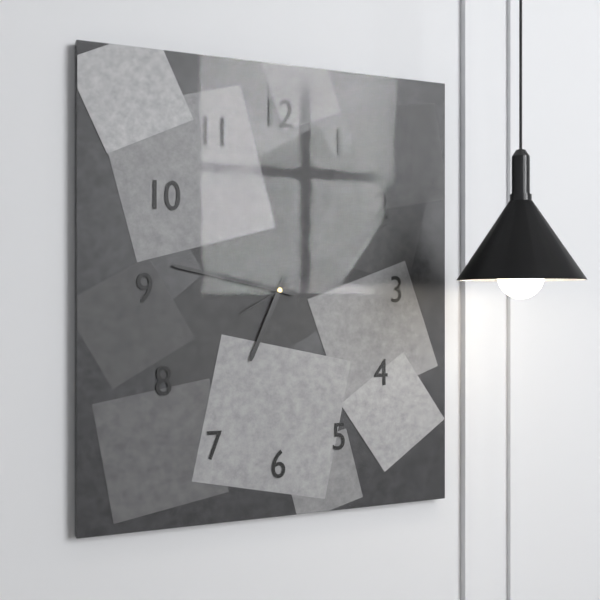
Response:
{"hour": 6, "minute": 47, "second": 10}
